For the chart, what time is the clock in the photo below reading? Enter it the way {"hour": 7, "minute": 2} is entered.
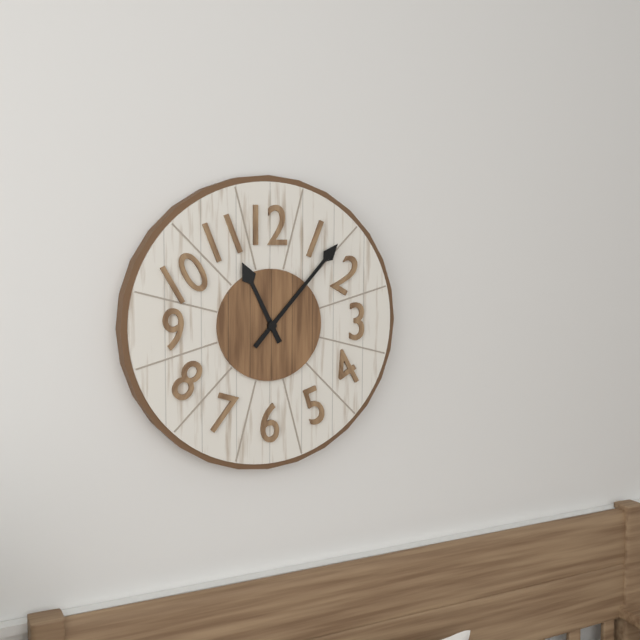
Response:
{"hour": 11, "minute": 7}
